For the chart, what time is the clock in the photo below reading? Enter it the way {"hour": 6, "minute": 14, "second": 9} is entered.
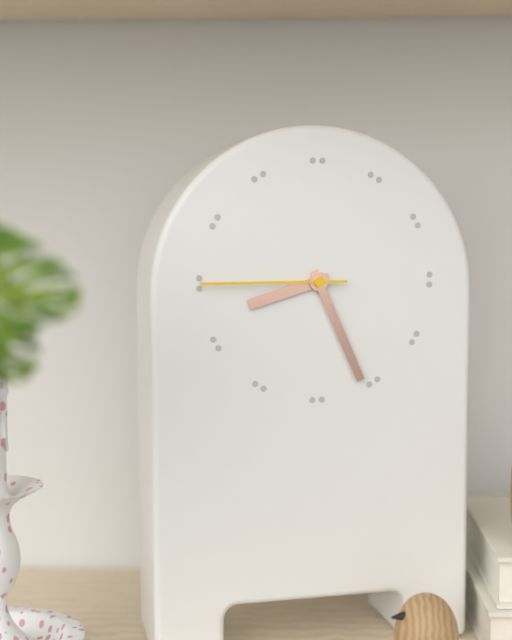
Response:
{"hour": 8, "minute": 26, "second": 45}
